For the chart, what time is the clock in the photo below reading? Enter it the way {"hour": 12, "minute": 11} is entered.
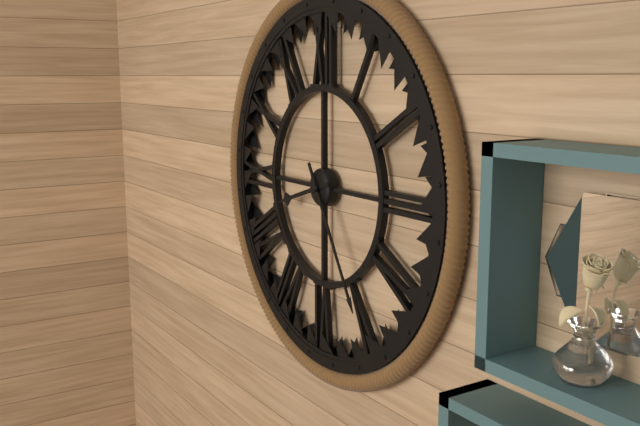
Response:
{"hour": 8, "minute": 25}
